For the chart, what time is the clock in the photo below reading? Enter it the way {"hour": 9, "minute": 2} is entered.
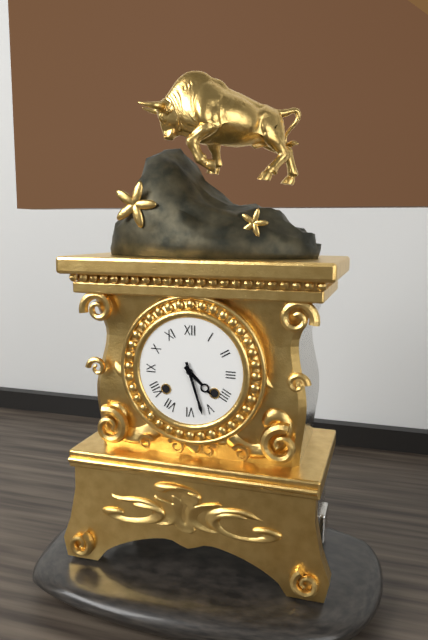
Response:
{"hour": 4, "minute": 27}
